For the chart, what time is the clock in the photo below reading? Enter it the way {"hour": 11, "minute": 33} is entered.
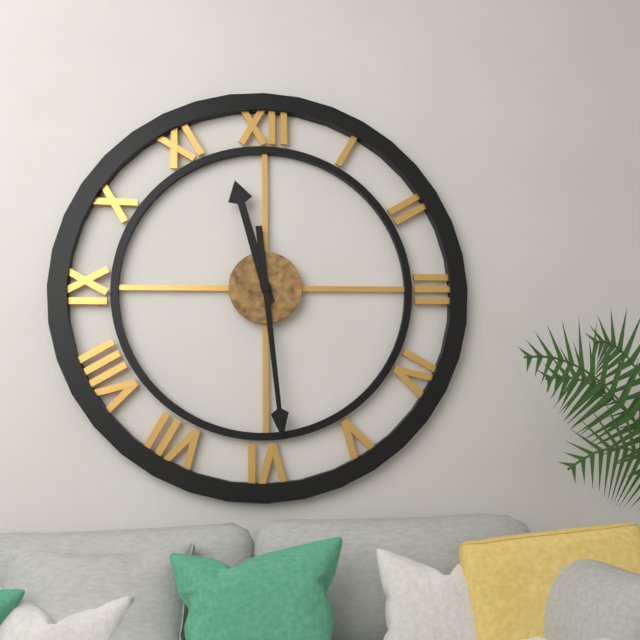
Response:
{"hour": 11, "minute": 29}
